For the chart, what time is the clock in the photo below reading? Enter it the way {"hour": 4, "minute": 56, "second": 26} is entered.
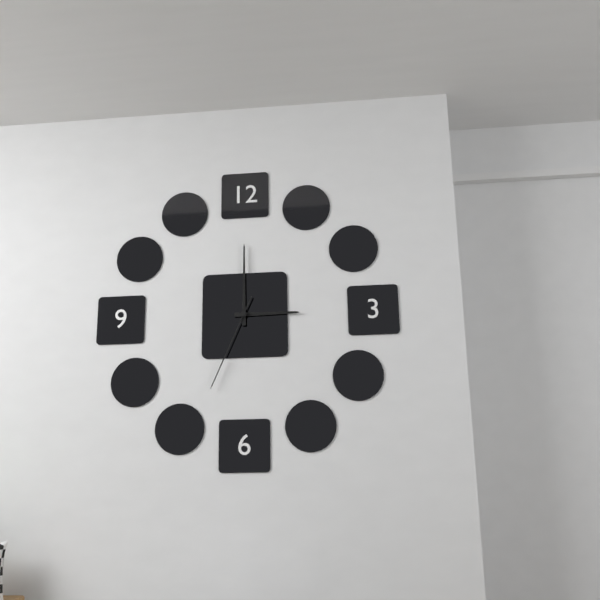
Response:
{"hour": 3, "minute": 0, "second": 34}
